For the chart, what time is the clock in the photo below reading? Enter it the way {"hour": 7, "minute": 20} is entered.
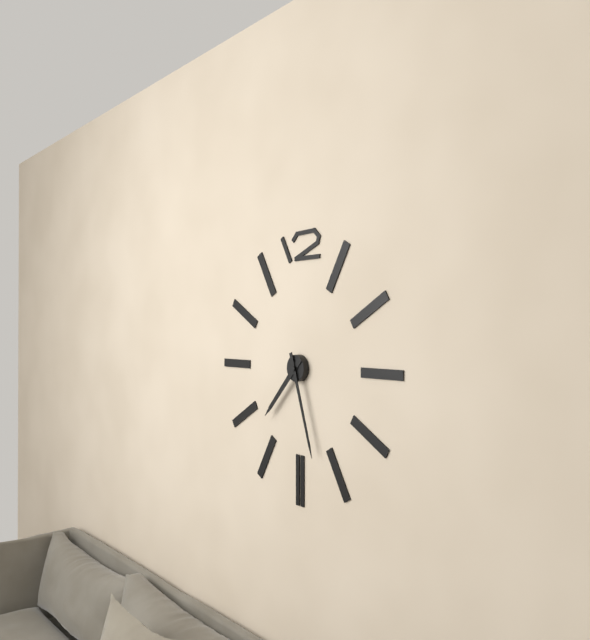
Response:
{"hour": 7, "minute": 27}
